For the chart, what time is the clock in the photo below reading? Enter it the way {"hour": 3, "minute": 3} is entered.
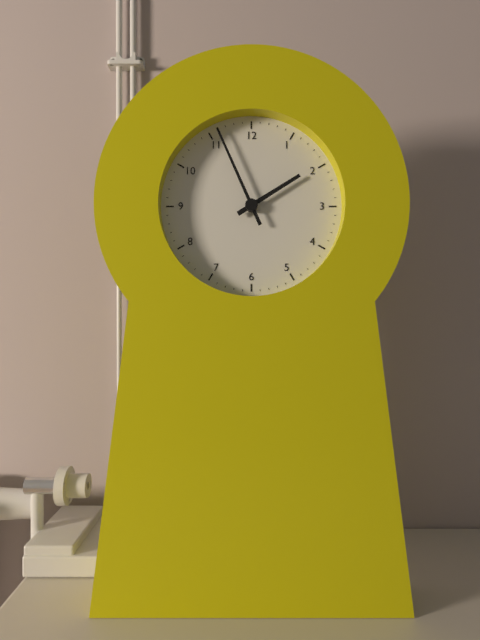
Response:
{"hour": 1, "minute": 56}
